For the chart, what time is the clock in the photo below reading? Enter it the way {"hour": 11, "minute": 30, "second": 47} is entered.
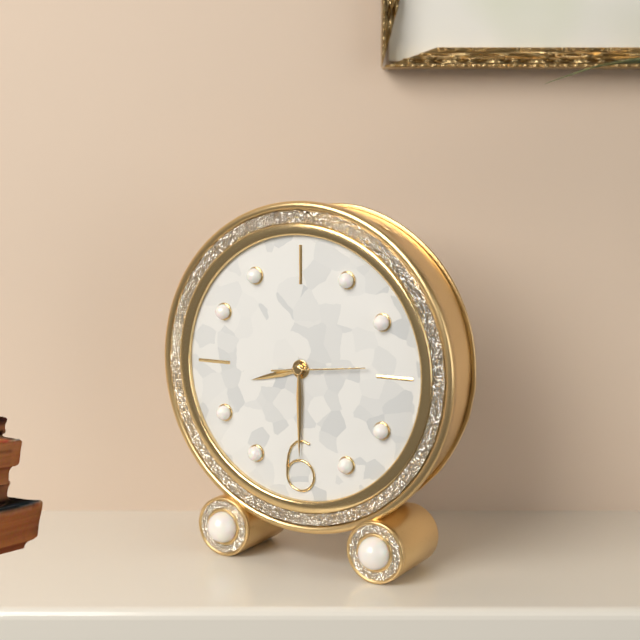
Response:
{"hour": 8, "minute": 30, "second": 14}
